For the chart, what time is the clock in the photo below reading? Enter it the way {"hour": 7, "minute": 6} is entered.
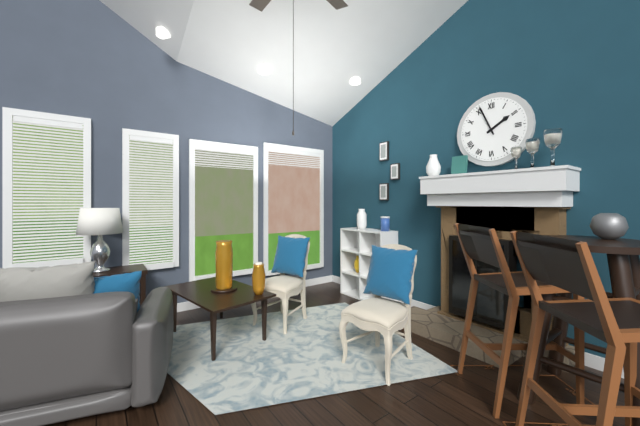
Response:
{"hour": 1, "minute": 56}
